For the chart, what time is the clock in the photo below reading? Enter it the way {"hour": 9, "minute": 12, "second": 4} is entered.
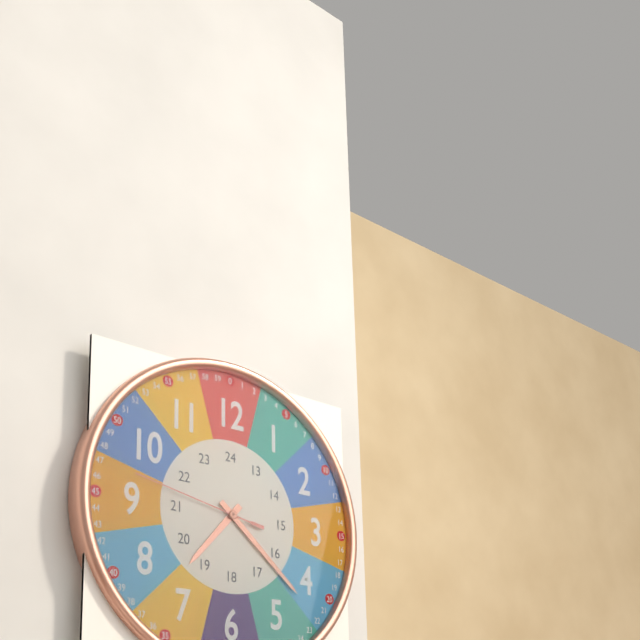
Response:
{"hour": 7, "minute": 22, "second": 47}
